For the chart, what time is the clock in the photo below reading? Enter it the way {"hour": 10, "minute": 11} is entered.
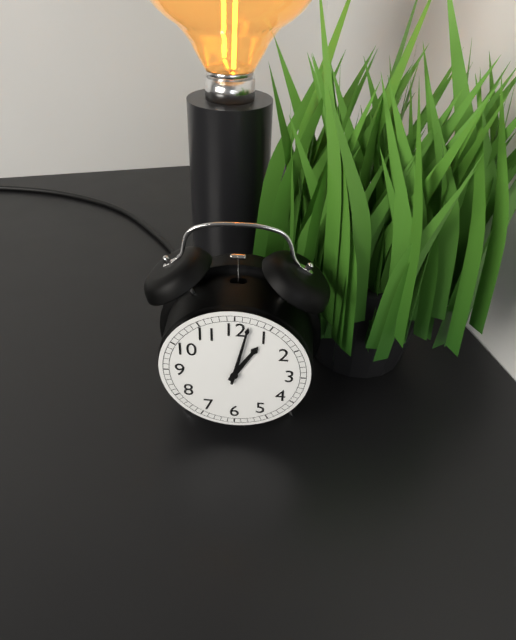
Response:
{"hour": 1, "minute": 2}
